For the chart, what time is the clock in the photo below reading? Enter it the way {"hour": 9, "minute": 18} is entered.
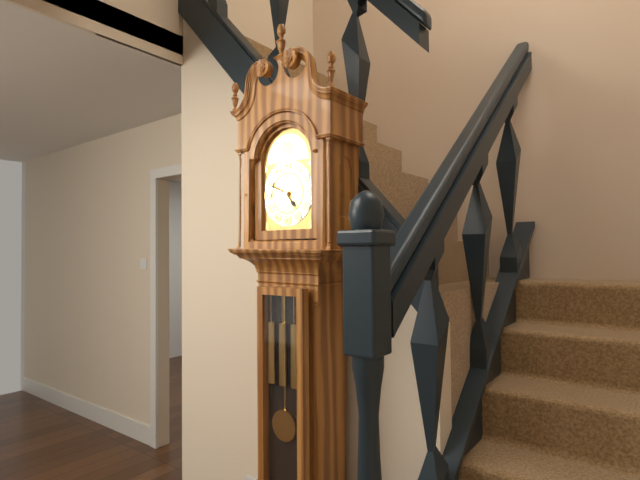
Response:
{"hour": 4, "minute": 49}
